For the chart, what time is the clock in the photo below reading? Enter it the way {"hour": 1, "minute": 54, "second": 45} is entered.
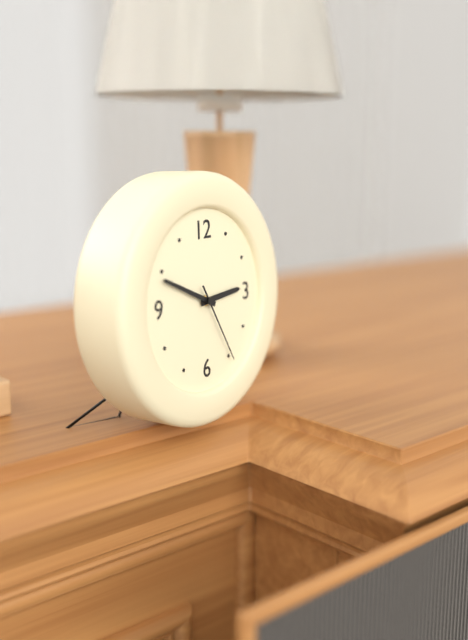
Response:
{"hour": 2, "minute": 49, "second": 25}
